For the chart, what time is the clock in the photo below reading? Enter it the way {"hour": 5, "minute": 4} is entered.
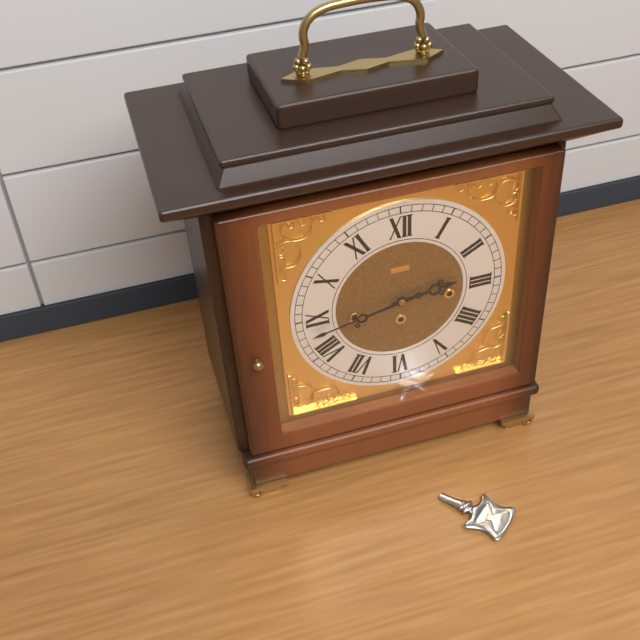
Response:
{"hour": 2, "minute": 43}
